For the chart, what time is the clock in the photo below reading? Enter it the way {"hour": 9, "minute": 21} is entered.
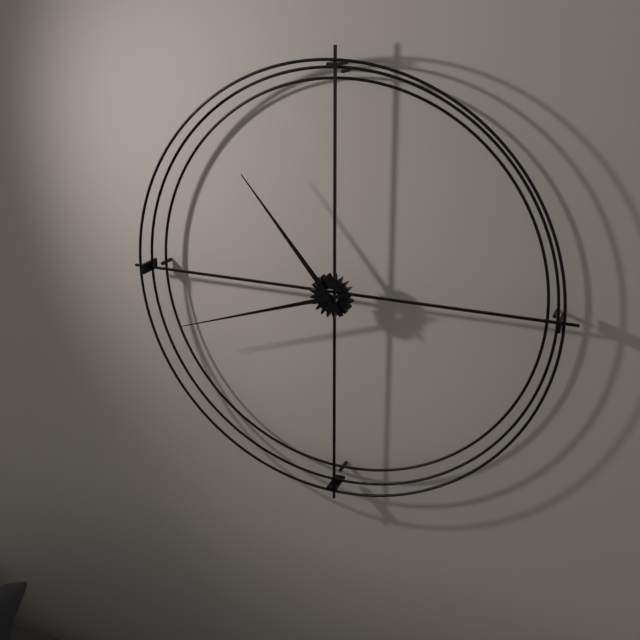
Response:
{"hour": 10, "minute": 42}
